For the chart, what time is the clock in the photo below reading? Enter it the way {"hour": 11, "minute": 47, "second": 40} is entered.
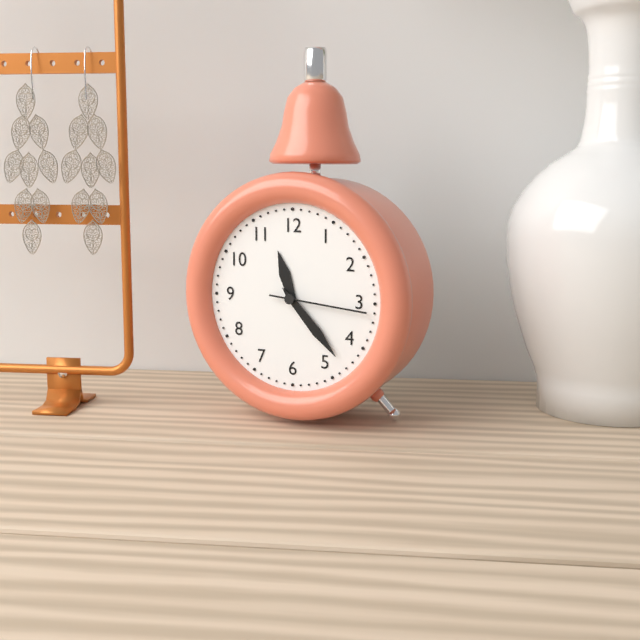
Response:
{"hour": 11, "minute": 23, "second": 16}
